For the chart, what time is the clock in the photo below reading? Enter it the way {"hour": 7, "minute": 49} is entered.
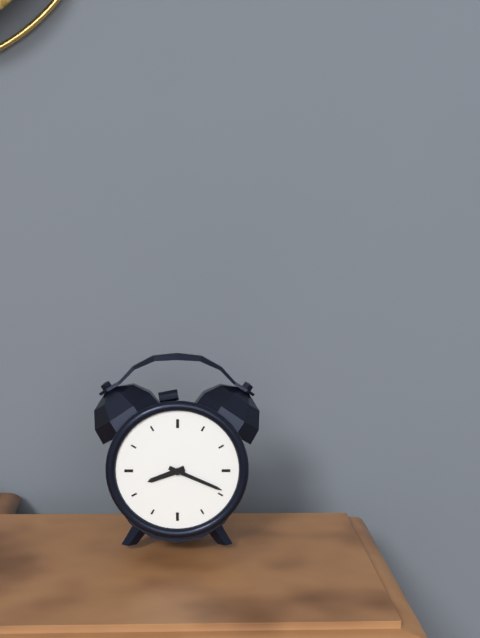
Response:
{"hour": 8, "minute": 19}
